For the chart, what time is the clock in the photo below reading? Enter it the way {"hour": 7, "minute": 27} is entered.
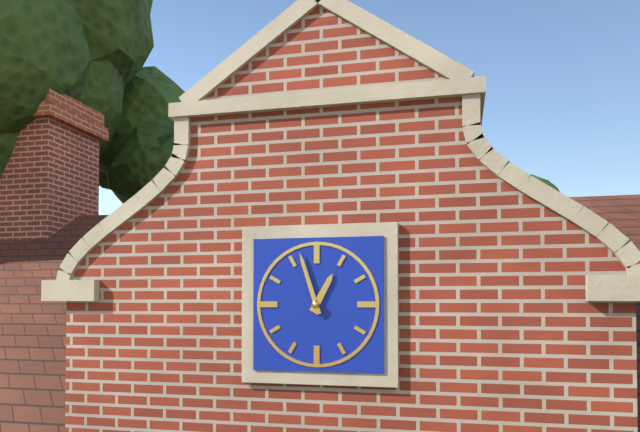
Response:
{"hour": 12, "minute": 57}
